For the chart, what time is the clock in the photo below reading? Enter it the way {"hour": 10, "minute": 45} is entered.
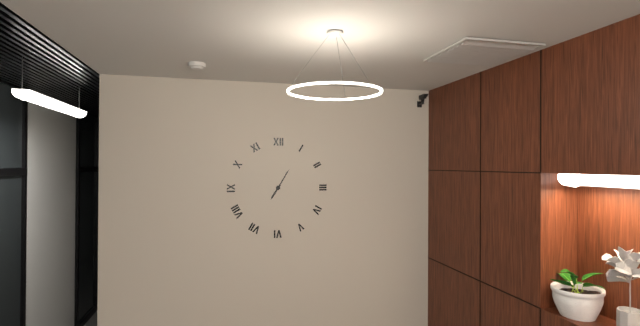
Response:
{"hour": 7, "minute": 5}
